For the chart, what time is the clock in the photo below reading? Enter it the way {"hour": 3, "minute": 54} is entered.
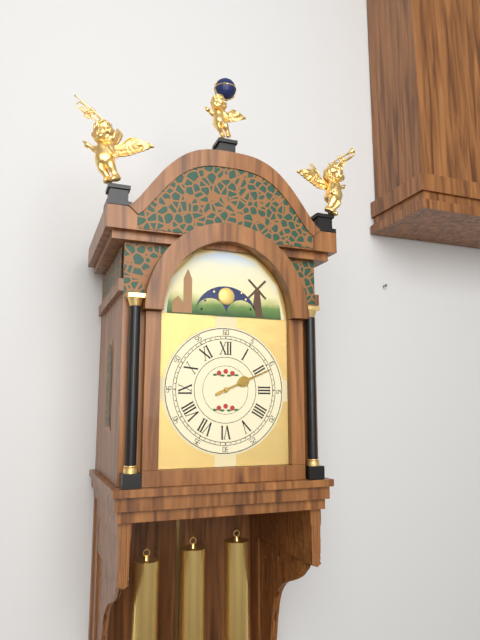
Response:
{"hour": 2, "minute": 11}
